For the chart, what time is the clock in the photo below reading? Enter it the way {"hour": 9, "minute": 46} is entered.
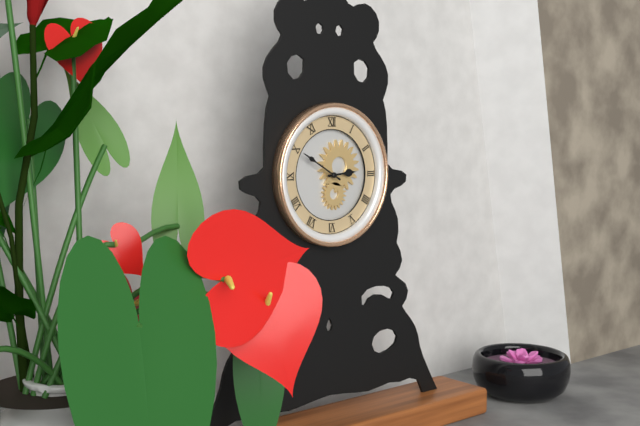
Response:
{"hour": 2, "minute": 50}
